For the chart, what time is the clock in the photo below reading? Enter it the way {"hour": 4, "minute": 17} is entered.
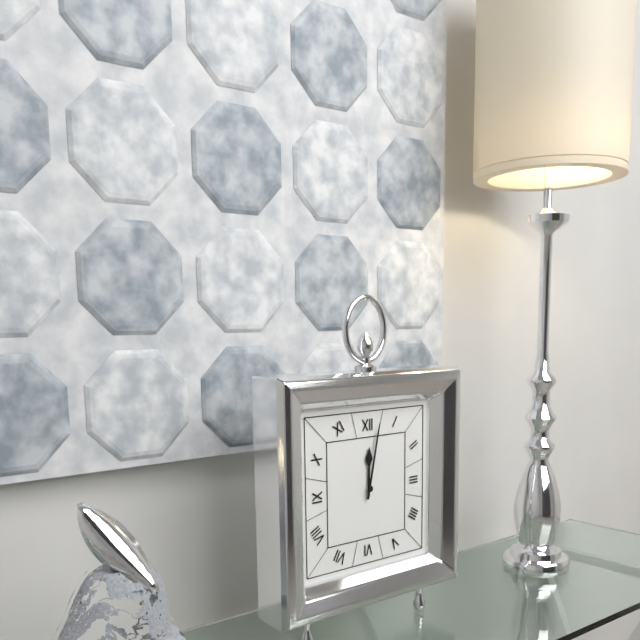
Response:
{"hour": 12, "minute": 2}
